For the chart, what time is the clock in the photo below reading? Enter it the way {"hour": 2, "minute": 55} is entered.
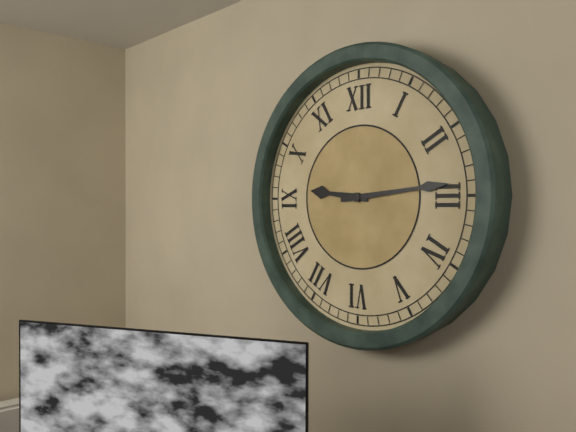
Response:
{"hour": 9, "minute": 14}
